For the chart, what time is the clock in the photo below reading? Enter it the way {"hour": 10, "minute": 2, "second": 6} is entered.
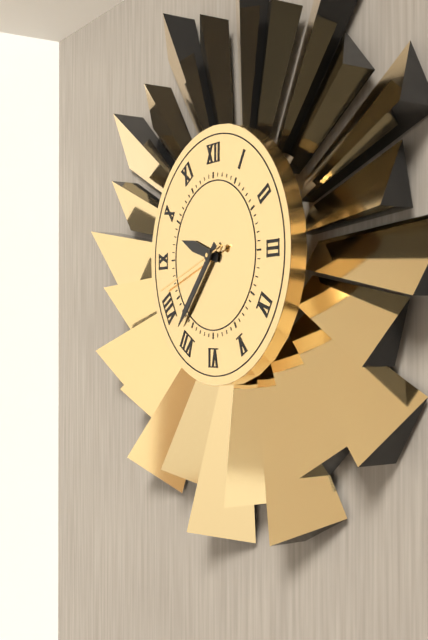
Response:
{"hour": 9, "minute": 37, "second": 42}
